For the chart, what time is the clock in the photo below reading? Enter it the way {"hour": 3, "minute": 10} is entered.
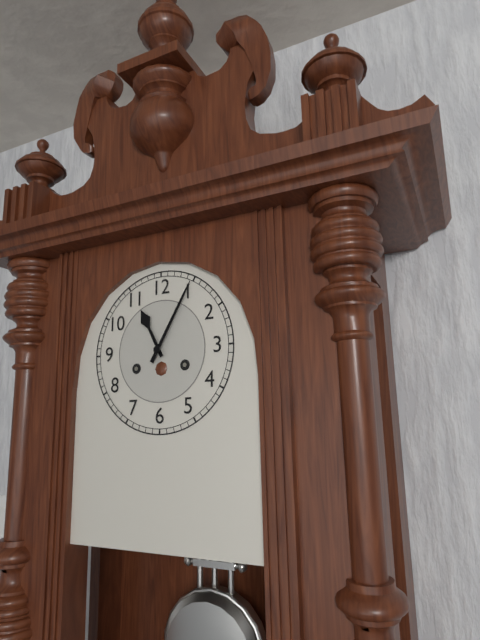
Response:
{"hour": 11, "minute": 5}
